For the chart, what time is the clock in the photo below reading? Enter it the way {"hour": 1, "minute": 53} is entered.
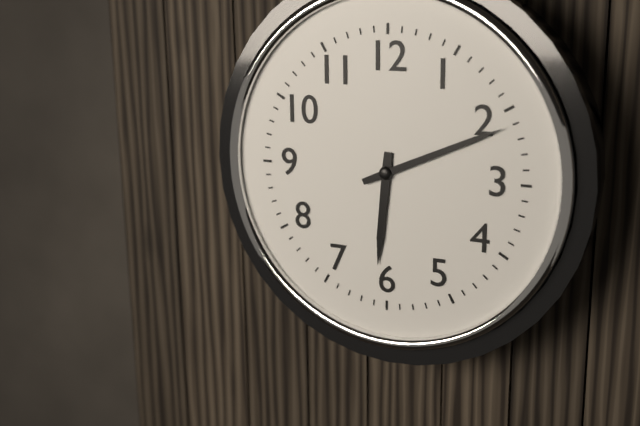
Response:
{"hour": 6, "minute": 11}
